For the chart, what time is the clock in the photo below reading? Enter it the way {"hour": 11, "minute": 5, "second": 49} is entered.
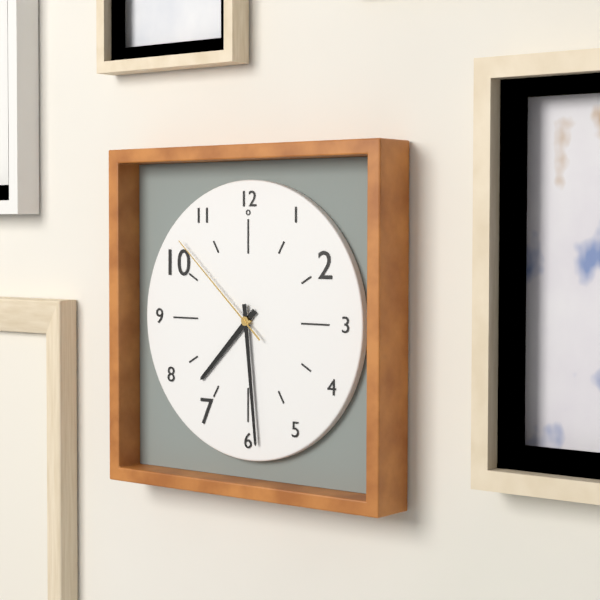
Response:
{"hour": 7, "minute": 29, "second": 52}
